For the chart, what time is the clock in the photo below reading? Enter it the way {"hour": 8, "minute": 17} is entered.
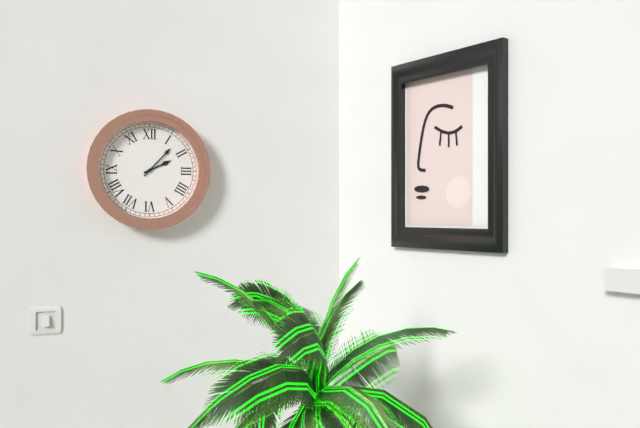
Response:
{"hour": 2, "minute": 7}
